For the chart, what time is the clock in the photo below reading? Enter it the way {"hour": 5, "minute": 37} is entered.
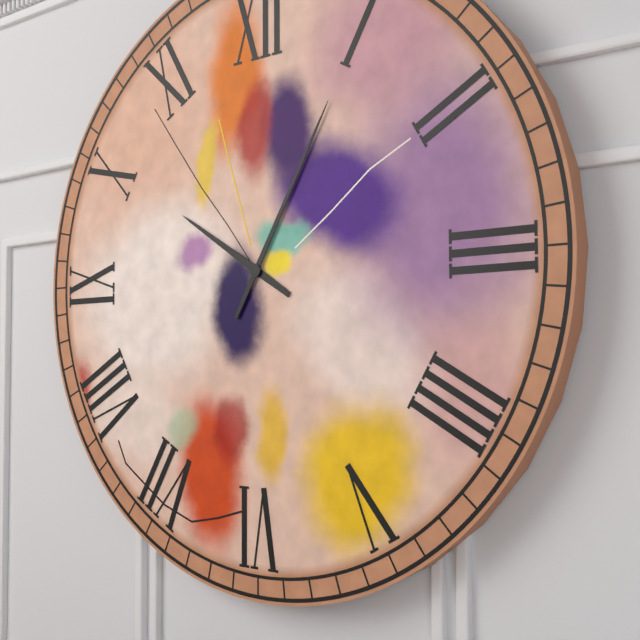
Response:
{"hour": 10, "minute": 5}
